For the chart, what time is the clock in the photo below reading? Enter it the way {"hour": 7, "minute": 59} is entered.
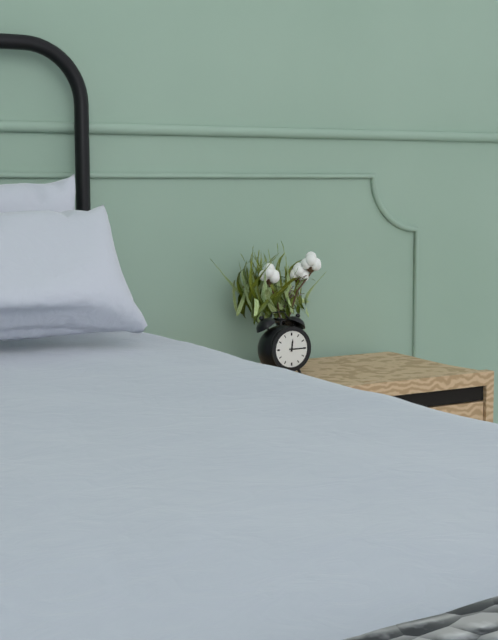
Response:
{"hour": 12, "minute": 15}
